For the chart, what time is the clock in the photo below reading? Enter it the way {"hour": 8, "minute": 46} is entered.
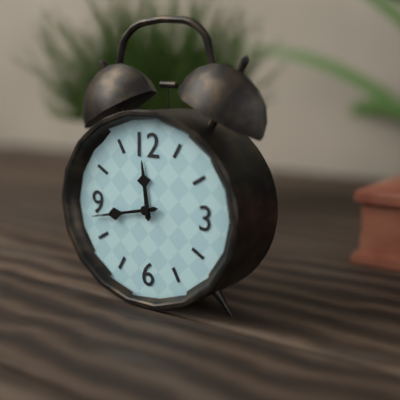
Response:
{"hour": 11, "minute": 43}
